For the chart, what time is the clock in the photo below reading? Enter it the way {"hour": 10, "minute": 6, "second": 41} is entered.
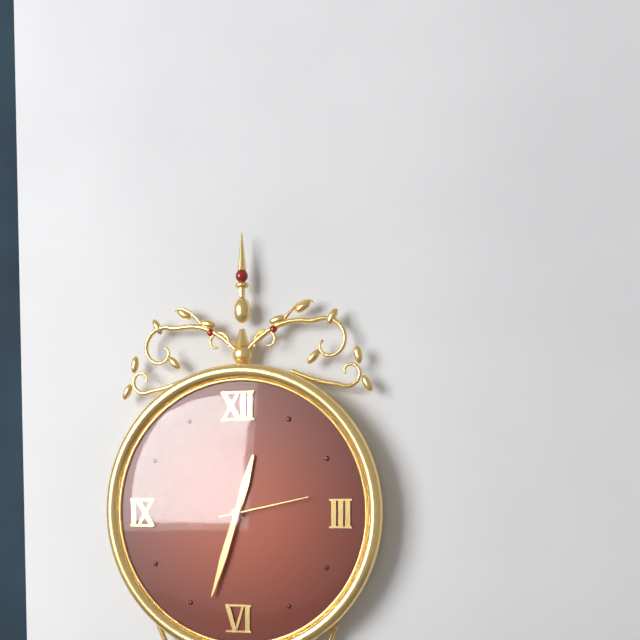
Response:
{"hour": 12, "minute": 33, "second": 13}
